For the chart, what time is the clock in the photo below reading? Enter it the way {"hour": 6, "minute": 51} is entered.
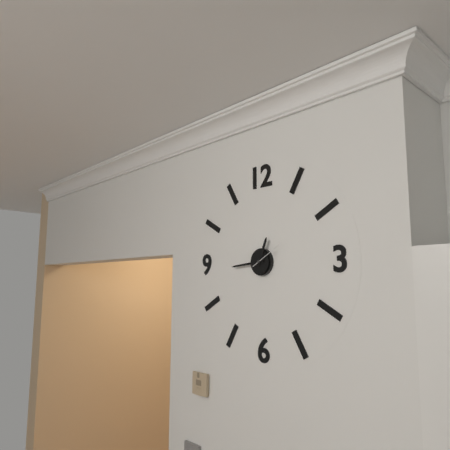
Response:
{"hour": 12, "minute": 44}
